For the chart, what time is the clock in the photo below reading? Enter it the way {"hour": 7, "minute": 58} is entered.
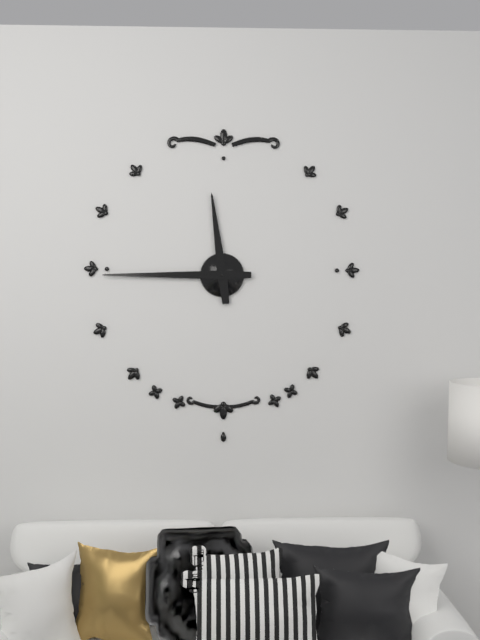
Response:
{"hour": 11, "minute": 45}
